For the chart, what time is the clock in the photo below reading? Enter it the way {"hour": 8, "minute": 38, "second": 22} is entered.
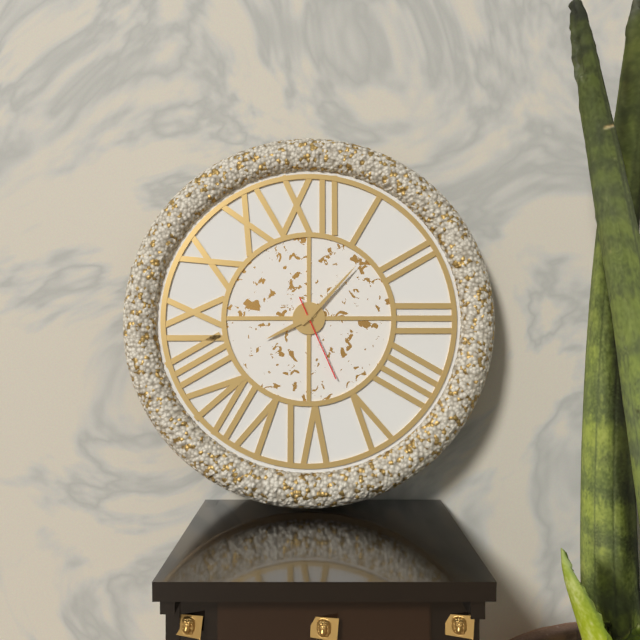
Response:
{"hour": 8, "minute": 7, "second": 26}
